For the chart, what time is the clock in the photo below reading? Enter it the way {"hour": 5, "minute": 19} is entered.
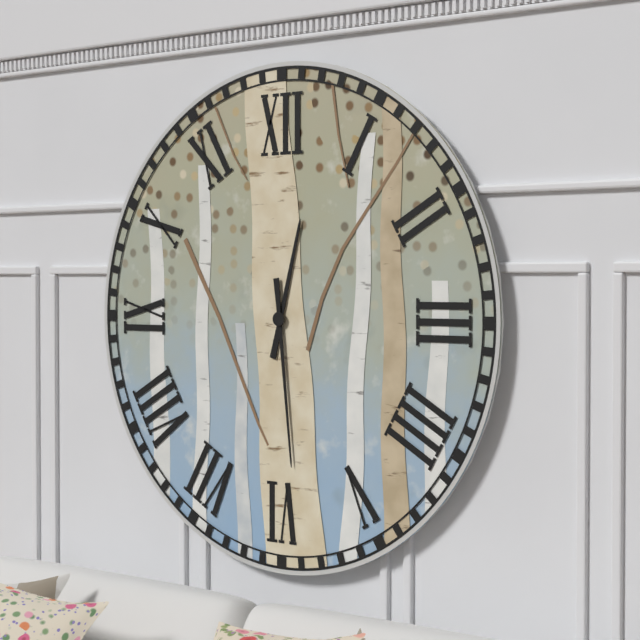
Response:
{"hour": 12, "minute": 29}
